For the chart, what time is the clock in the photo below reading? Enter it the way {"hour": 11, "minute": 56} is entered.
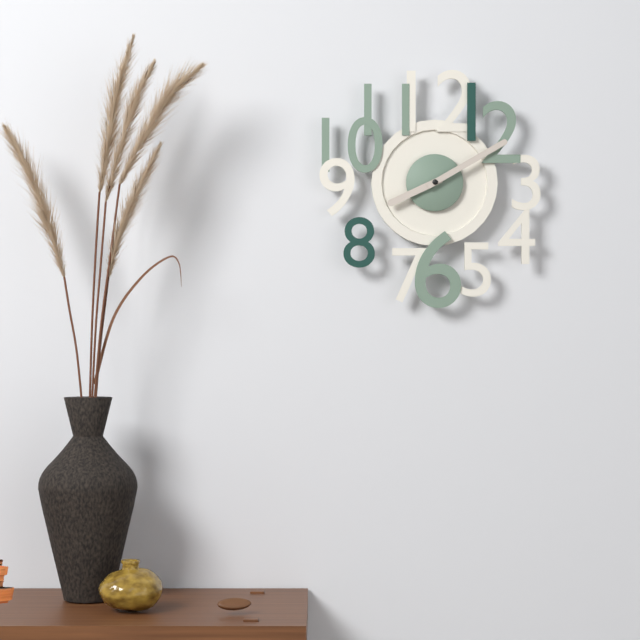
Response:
{"hour": 8, "minute": 10}
